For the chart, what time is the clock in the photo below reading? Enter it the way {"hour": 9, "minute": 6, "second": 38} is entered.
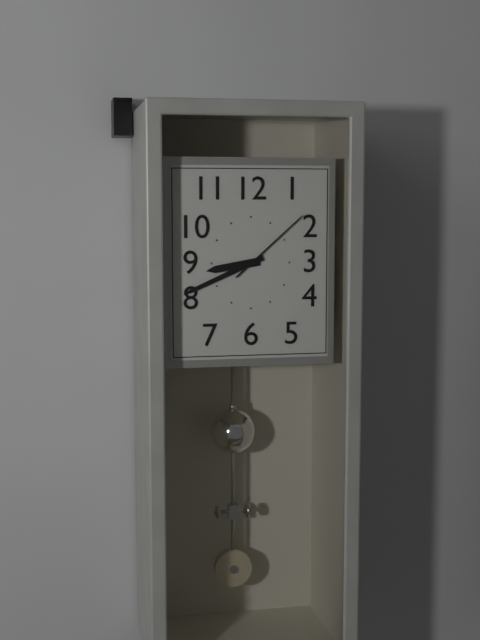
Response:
{"hour": 8, "minute": 41, "second": 8}
